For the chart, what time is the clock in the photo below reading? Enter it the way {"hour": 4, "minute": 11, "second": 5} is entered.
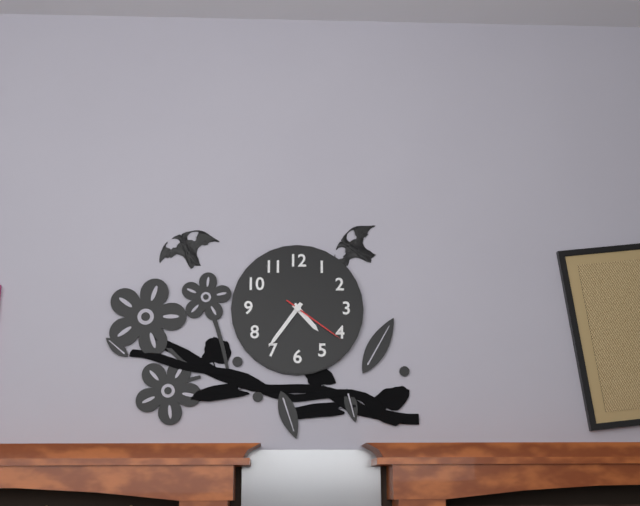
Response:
{"hour": 4, "minute": 36, "second": 21}
